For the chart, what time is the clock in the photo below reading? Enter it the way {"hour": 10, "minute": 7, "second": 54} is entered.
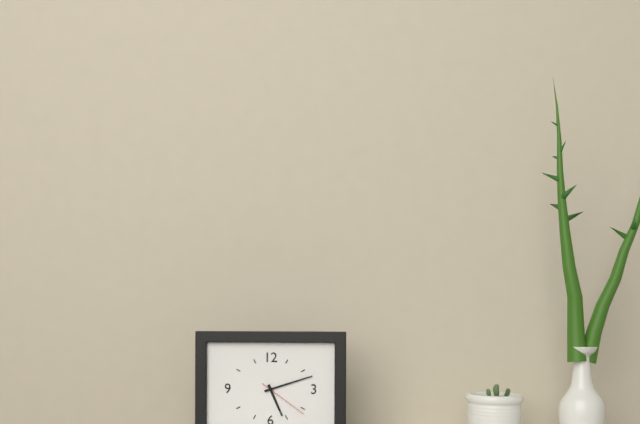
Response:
{"hour": 5, "minute": 12, "second": 21}
